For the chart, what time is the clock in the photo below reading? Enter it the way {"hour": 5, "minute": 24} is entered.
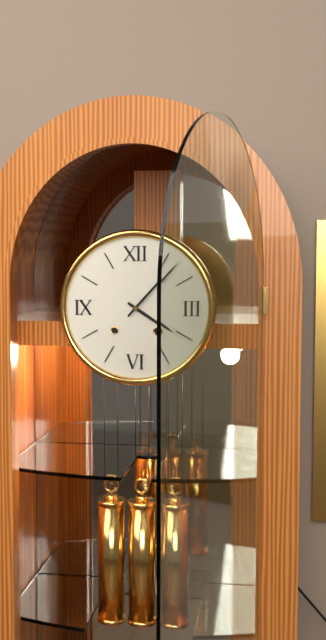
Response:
{"hour": 4, "minute": 7}
